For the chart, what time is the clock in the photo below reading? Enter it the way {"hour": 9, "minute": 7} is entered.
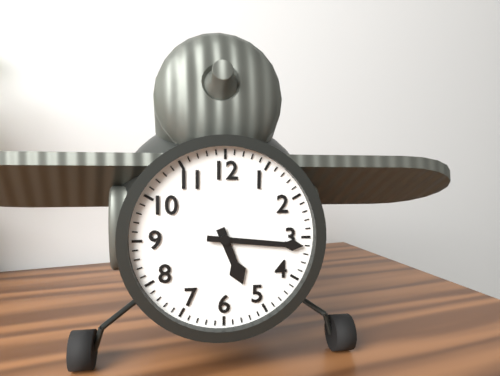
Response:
{"hour": 5, "minute": 16}
